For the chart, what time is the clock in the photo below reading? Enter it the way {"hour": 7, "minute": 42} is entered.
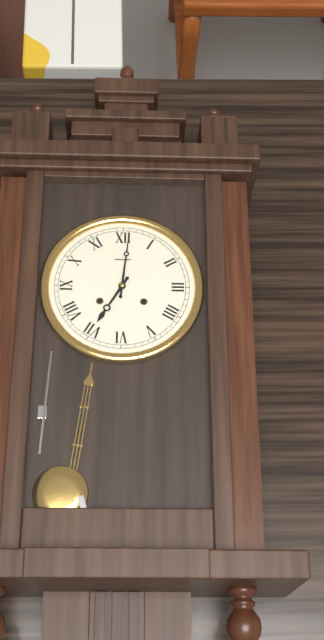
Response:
{"hour": 7, "minute": 1}
